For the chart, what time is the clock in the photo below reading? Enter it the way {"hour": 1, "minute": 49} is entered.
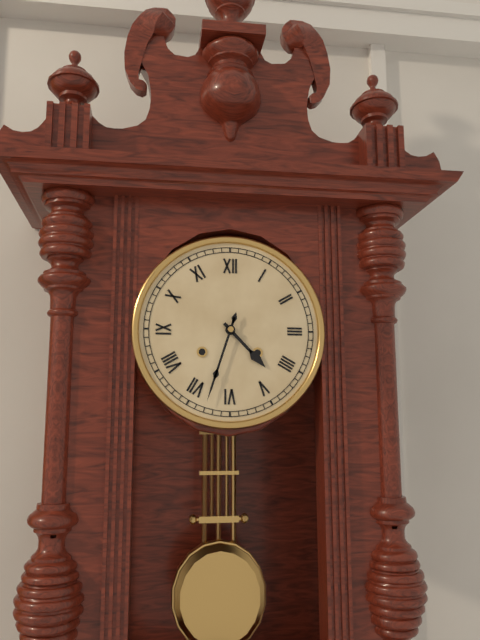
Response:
{"hour": 4, "minute": 33}
